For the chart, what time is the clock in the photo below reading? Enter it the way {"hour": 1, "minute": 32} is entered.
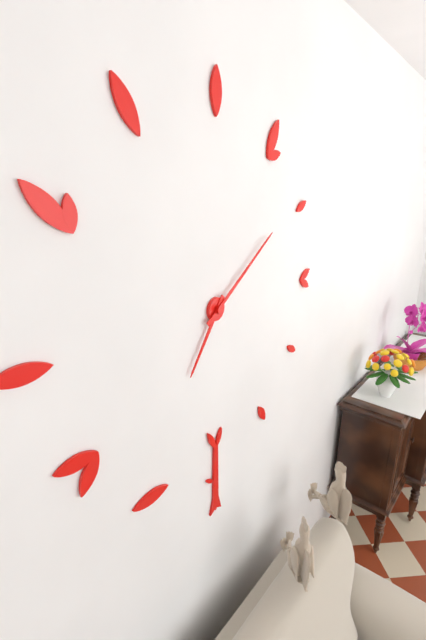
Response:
{"hour": 7, "minute": 9}
